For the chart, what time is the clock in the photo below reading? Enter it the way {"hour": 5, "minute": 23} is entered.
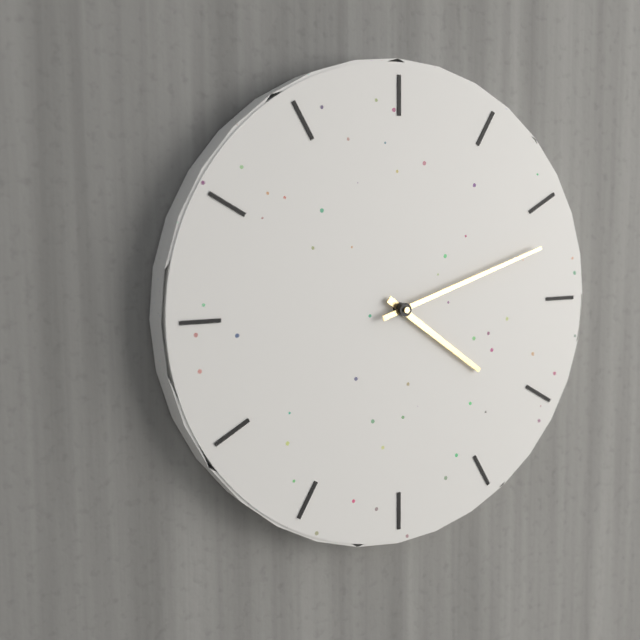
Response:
{"hour": 4, "minute": 12}
